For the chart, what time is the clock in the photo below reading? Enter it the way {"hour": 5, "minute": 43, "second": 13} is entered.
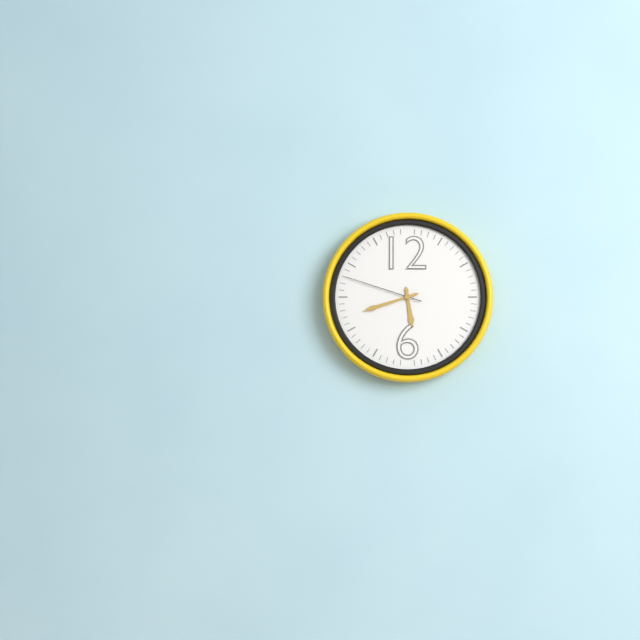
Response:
{"hour": 5, "minute": 42, "second": 48}
